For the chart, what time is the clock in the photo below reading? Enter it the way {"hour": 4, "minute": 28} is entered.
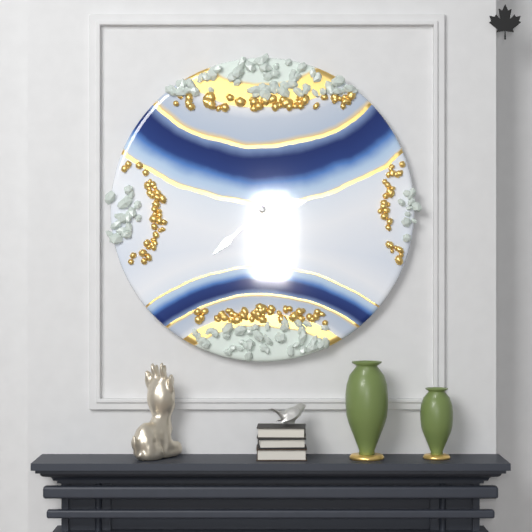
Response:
{"hour": 2, "minute": 38}
